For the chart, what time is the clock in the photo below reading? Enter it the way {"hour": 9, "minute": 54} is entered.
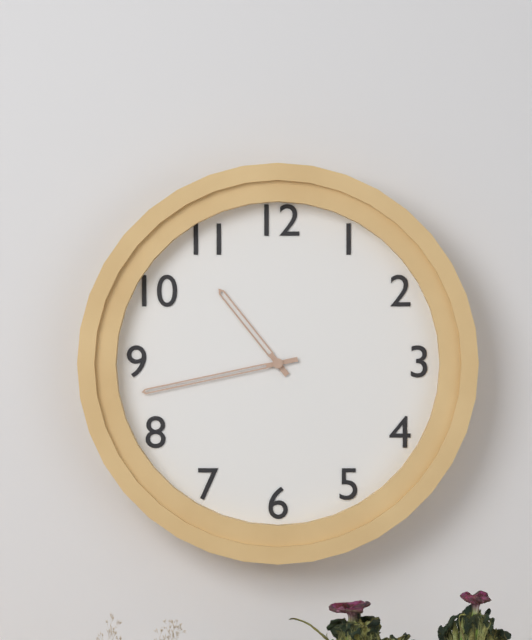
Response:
{"hour": 10, "minute": 43}
